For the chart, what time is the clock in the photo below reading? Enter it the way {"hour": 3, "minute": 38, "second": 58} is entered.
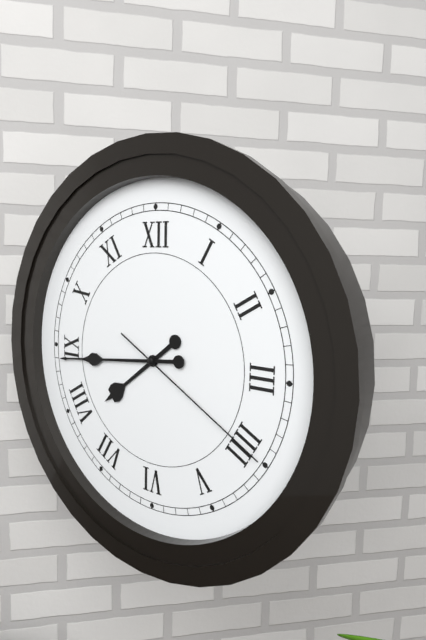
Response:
{"hour": 7, "minute": 44, "second": 20}
